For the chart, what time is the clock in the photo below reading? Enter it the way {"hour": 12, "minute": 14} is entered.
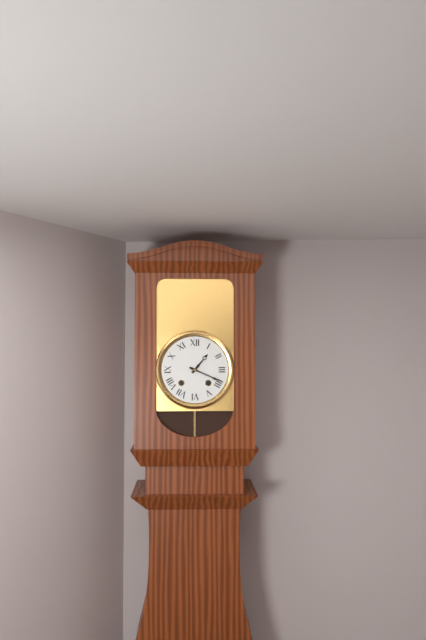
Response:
{"hour": 1, "minute": 19}
